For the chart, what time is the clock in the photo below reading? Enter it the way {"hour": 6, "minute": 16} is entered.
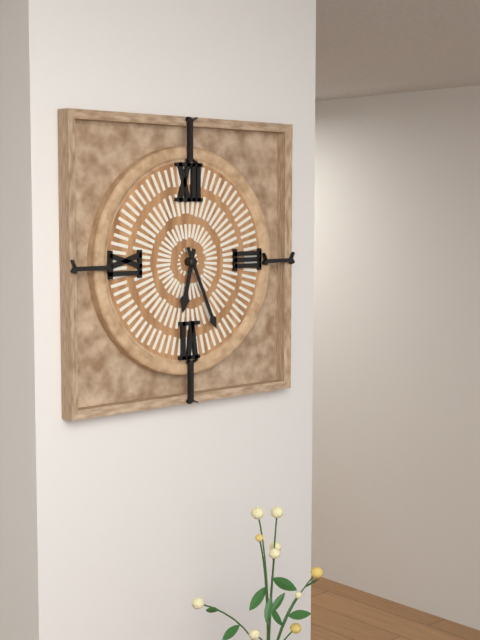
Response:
{"hour": 6, "minute": 26}
